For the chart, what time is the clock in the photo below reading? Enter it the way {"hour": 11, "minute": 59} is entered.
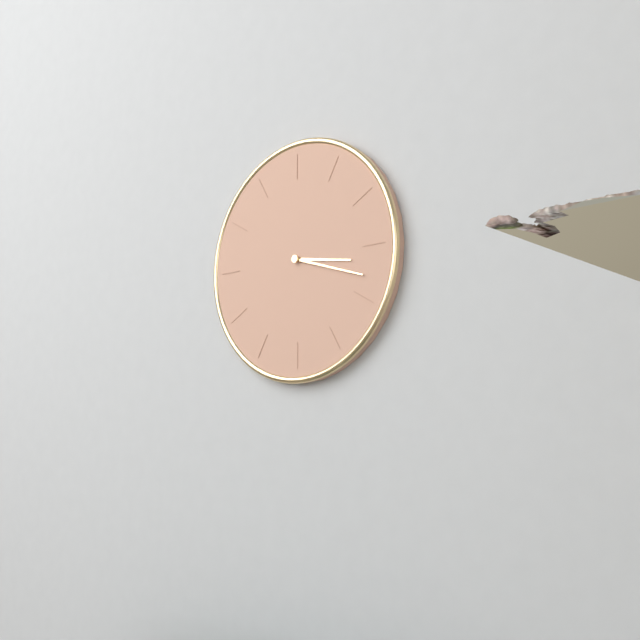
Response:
{"hour": 3, "minute": 18}
